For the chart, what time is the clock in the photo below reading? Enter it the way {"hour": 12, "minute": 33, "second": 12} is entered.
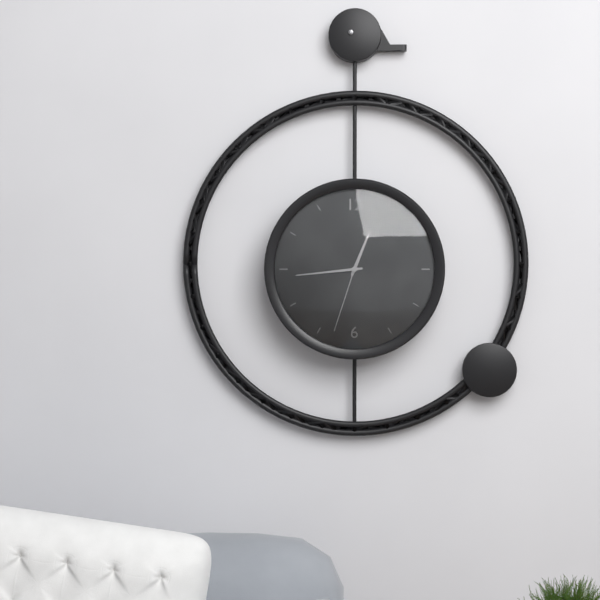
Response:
{"hour": 12, "minute": 44, "second": 33}
